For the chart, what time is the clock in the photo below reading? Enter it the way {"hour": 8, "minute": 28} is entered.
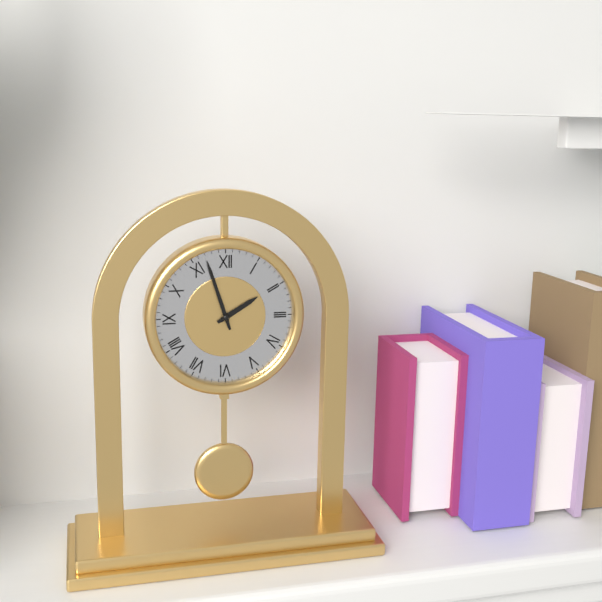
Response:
{"hour": 1, "minute": 57}
